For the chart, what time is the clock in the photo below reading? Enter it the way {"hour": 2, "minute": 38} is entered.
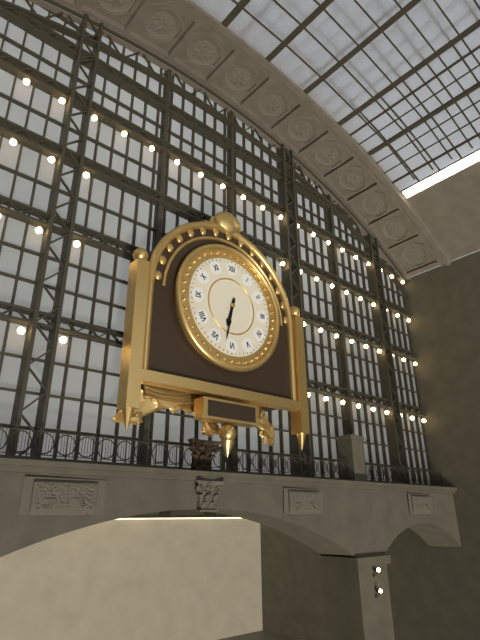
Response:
{"hour": 6, "minute": 32}
